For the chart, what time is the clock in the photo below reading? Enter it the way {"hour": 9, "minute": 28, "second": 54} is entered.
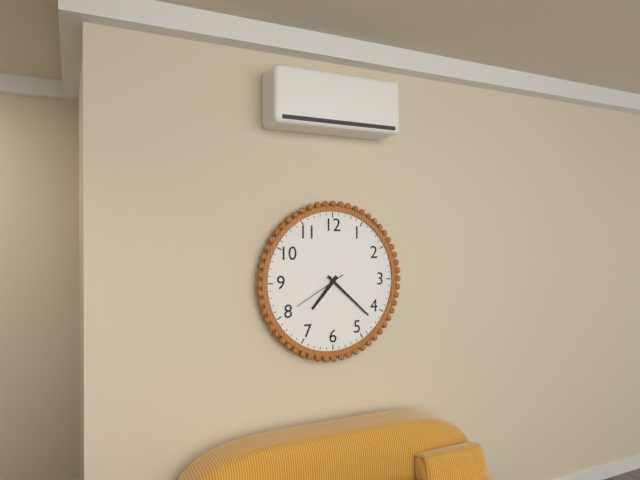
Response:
{"hour": 7, "minute": 22, "second": 40}
